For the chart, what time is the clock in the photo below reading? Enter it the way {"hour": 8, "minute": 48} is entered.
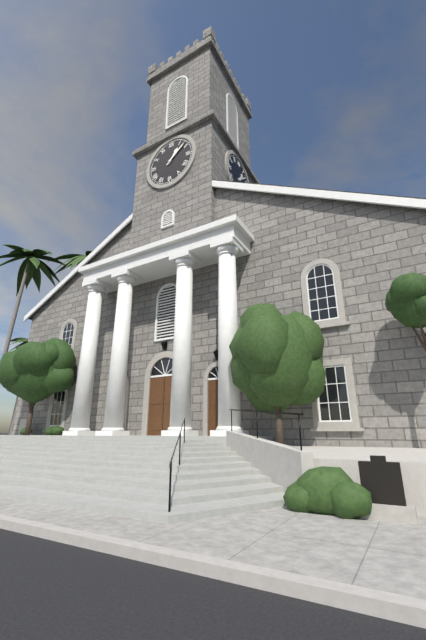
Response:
{"hour": 1, "minute": 8}
